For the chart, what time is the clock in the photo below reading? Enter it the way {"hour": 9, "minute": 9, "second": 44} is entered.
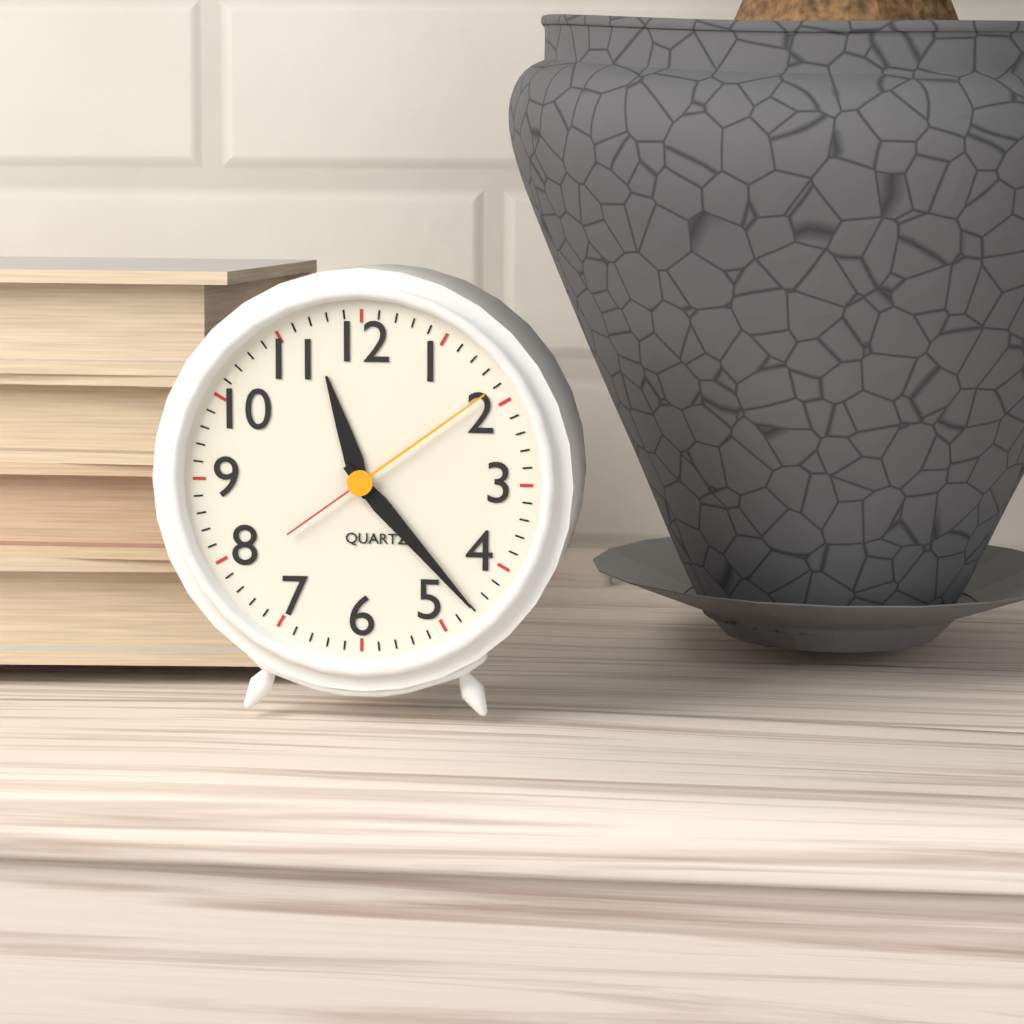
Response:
{"hour": 11, "minute": 23, "second": 9}
